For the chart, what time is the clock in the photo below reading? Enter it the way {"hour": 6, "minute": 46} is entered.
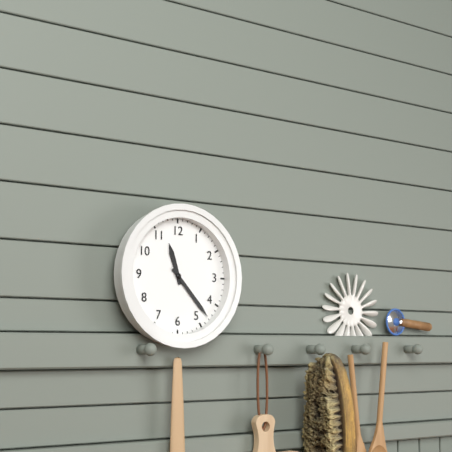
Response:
{"hour": 11, "minute": 23}
